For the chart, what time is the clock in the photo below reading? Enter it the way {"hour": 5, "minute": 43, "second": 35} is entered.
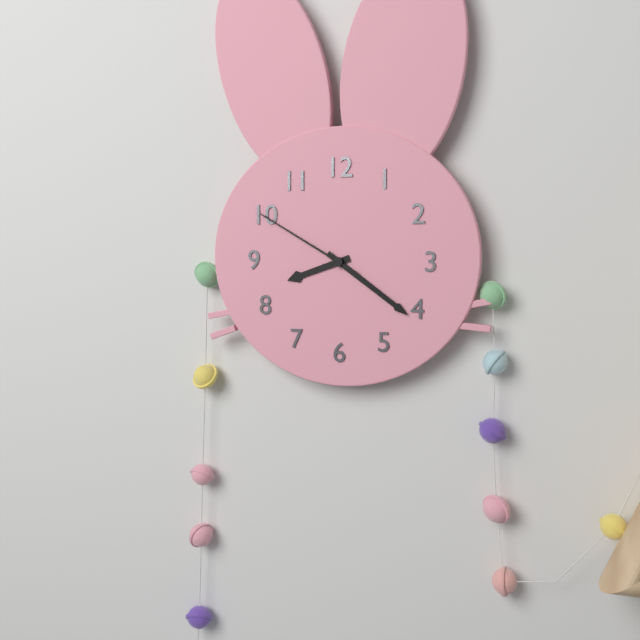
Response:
{"hour": 8, "minute": 21, "second": 50}
